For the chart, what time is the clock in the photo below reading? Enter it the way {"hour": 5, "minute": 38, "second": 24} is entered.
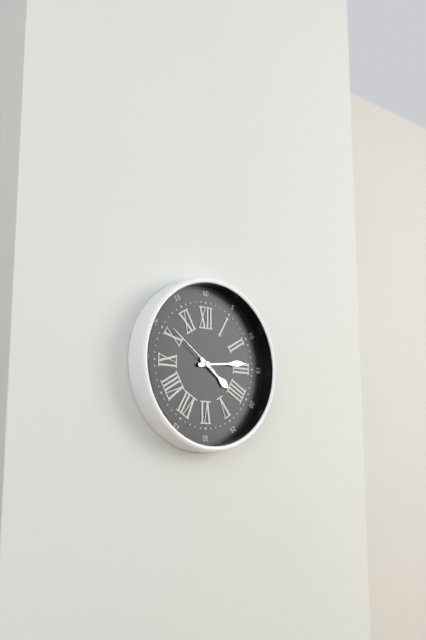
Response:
{"hour": 4, "minute": 14, "second": 51}
